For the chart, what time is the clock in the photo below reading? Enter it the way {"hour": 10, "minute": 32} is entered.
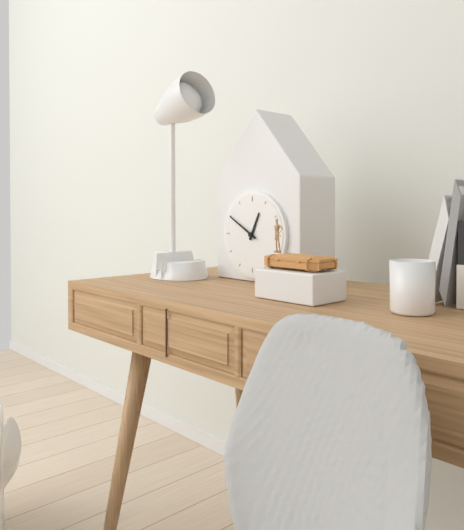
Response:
{"hour": 12, "minute": 50}
